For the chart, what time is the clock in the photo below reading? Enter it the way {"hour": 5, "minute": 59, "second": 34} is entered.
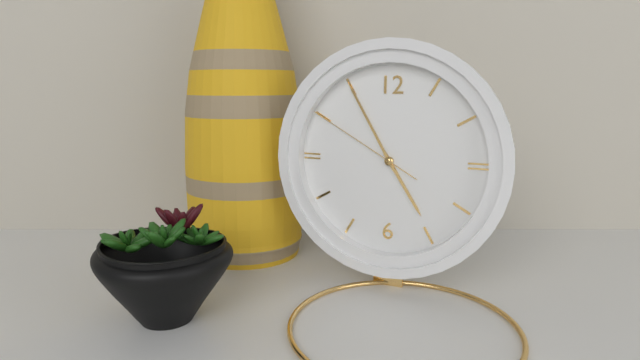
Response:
{"hour": 4, "minute": 55, "second": 50}
